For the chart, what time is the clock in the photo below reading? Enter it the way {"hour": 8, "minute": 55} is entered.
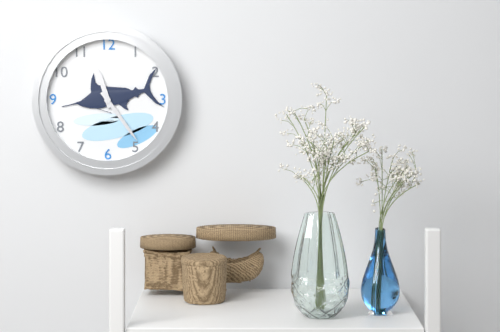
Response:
{"hour": 11, "minute": 24}
